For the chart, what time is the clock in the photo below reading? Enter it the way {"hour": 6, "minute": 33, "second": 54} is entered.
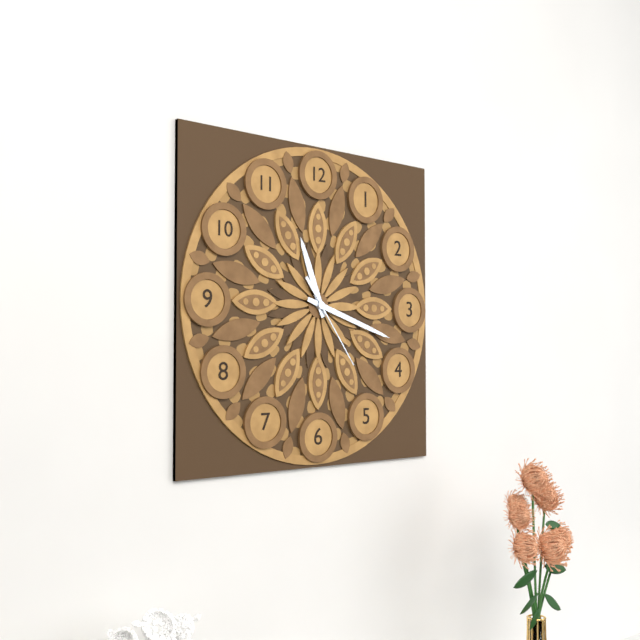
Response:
{"hour": 11, "minute": 18, "second": 24}
